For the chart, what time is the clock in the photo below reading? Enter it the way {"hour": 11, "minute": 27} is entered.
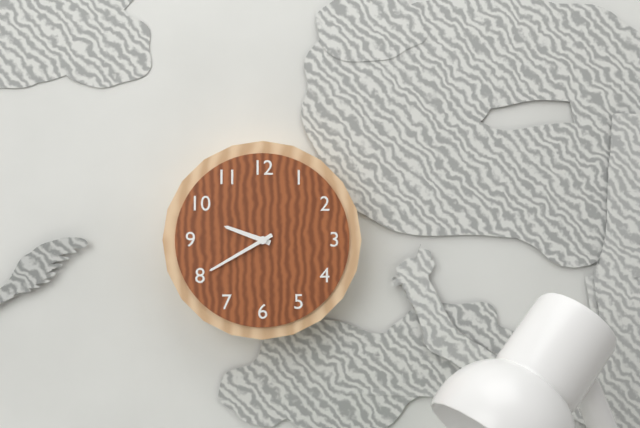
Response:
{"hour": 9, "minute": 40}
